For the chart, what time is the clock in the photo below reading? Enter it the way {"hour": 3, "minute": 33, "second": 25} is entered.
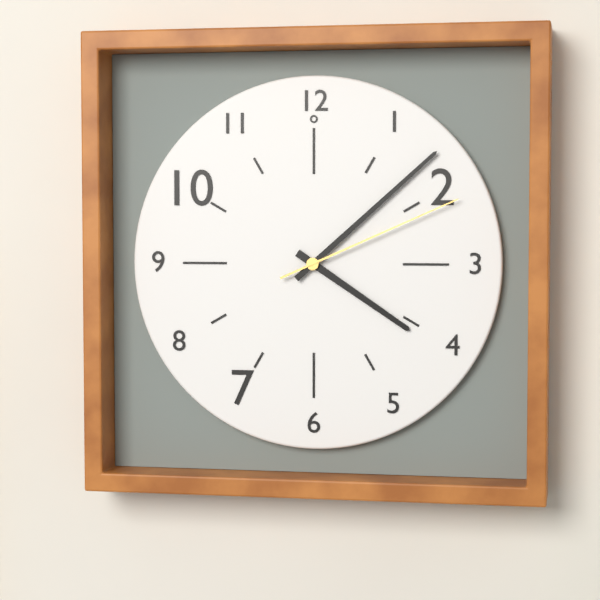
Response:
{"hour": 4, "minute": 8, "second": 11}
